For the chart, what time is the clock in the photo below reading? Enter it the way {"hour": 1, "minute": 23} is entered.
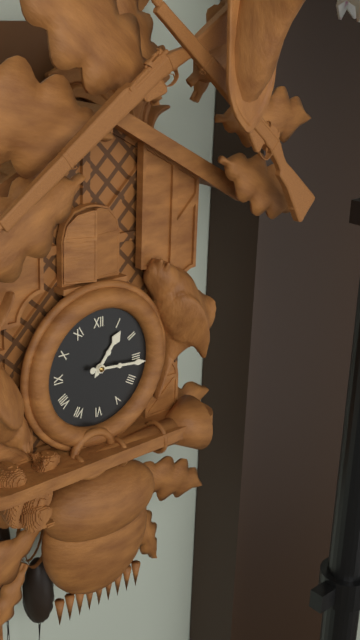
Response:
{"hour": 1, "minute": 16}
